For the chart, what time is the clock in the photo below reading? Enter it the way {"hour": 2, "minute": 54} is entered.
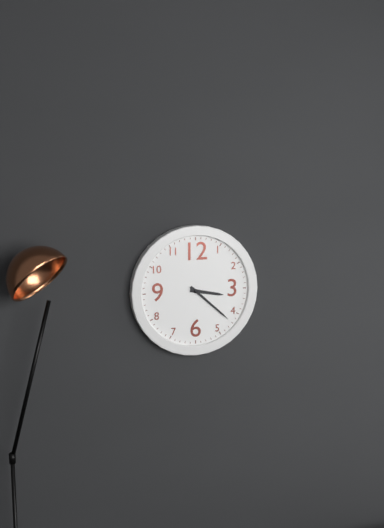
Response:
{"hour": 3, "minute": 22}
